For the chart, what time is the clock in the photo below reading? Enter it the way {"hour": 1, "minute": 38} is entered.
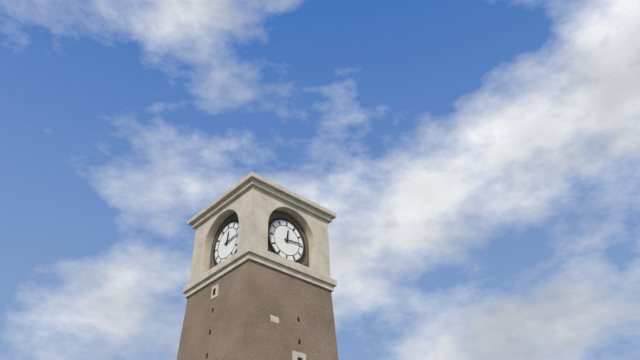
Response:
{"hour": 12, "minute": 14}
